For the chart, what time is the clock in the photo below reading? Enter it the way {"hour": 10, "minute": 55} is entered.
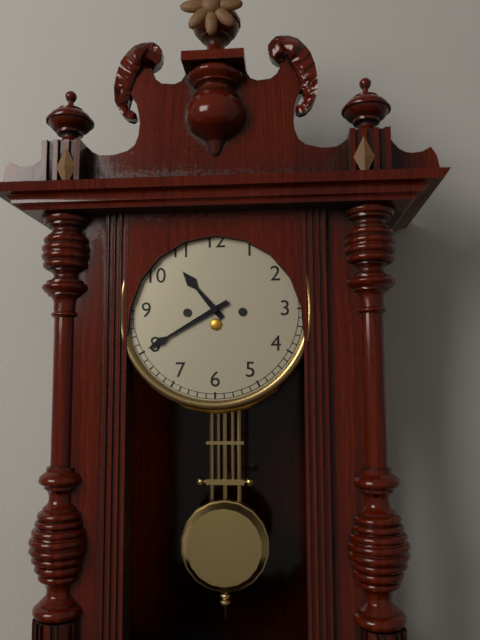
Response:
{"hour": 10, "minute": 40}
